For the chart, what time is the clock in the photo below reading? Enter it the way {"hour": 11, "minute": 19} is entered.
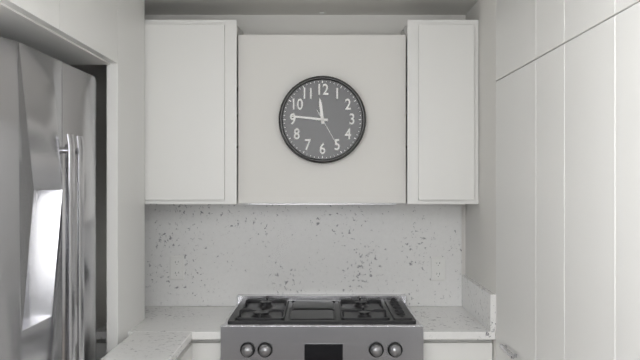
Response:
{"hour": 11, "minute": 46}
